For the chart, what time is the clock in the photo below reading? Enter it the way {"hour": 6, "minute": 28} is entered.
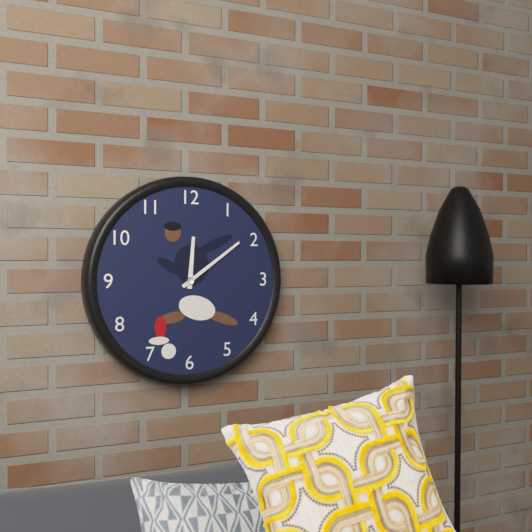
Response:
{"hour": 12, "minute": 9}
